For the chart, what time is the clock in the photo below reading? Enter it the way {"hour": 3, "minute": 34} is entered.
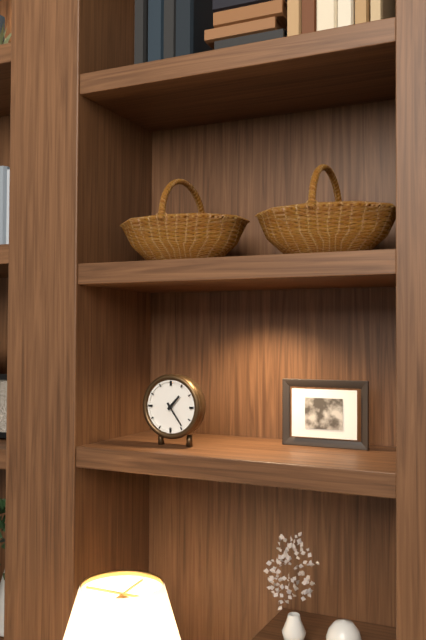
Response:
{"hour": 1, "minute": 24}
